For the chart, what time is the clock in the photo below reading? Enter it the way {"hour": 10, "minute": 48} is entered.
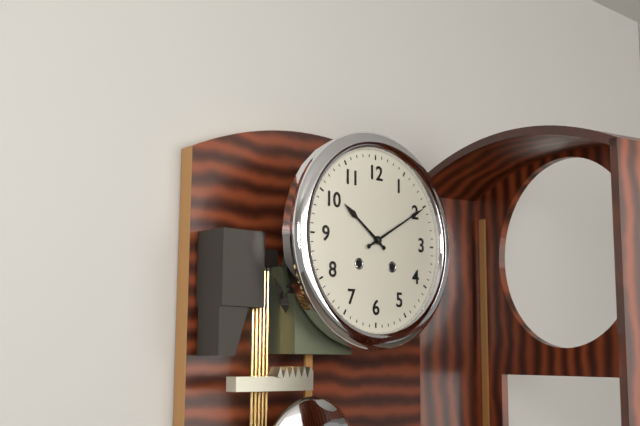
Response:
{"hour": 10, "minute": 10}
